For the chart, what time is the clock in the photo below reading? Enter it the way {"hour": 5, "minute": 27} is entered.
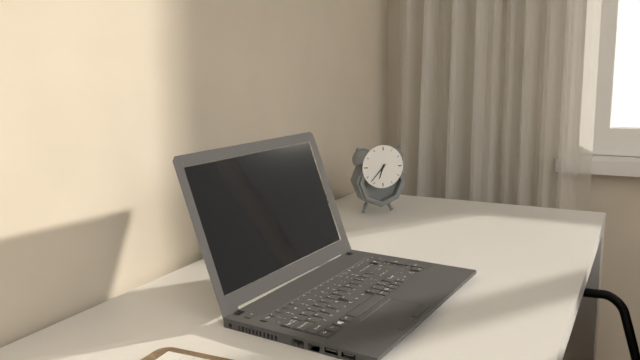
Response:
{"hour": 6, "minute": 37}
